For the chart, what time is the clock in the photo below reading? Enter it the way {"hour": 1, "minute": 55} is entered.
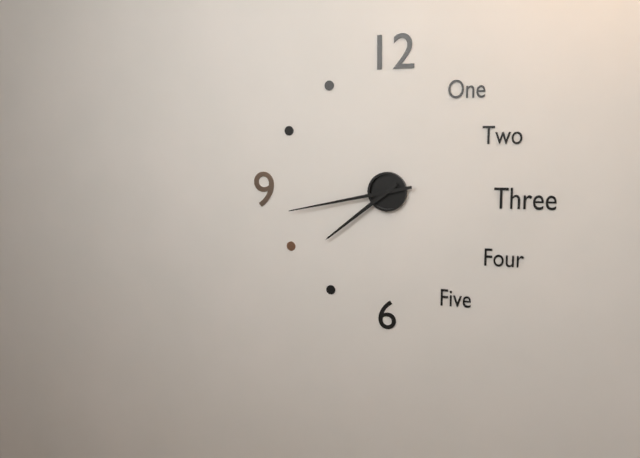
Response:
{"hour": 7, "minute": 43}
